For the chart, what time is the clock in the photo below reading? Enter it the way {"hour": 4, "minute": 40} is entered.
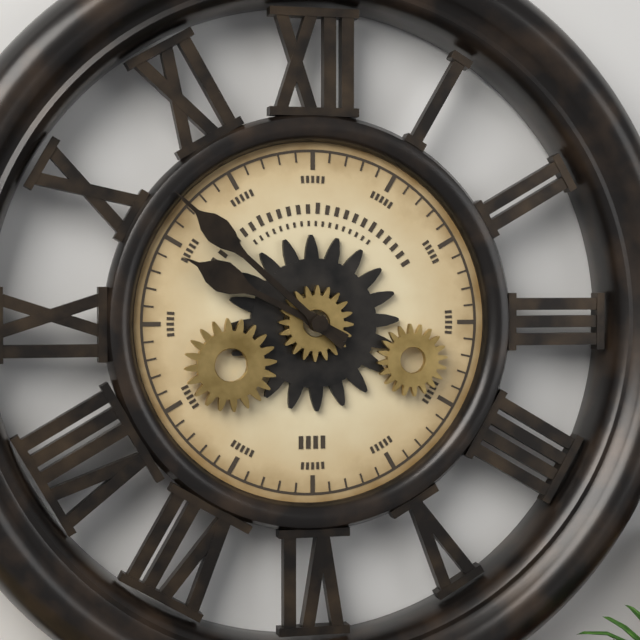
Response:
{"hour": 9, "minute": 52}
